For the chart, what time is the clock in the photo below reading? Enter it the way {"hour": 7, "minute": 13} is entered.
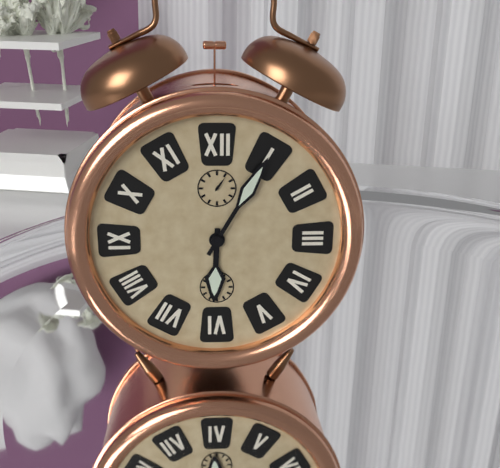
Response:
{"hour": 6, "minute": 5}
